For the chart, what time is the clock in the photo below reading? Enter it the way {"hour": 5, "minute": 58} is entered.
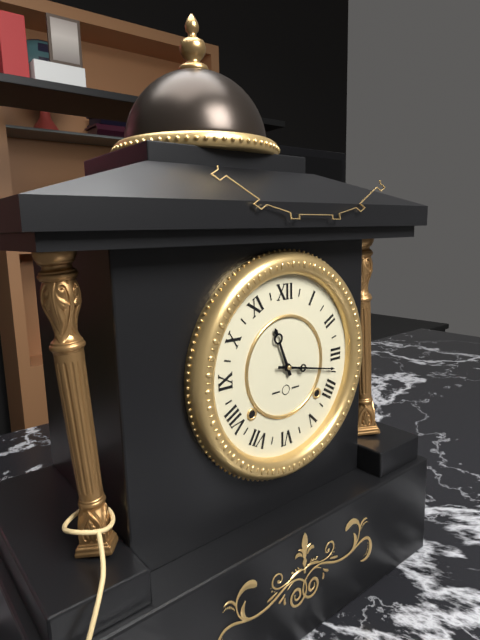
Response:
{"hour": 11, "minute": 17}
